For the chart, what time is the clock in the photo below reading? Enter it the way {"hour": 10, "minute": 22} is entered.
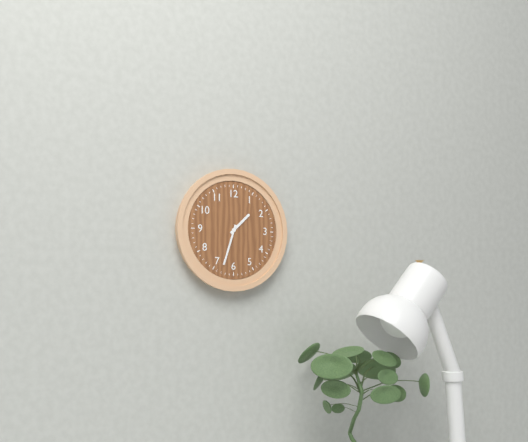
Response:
{"hour": 1, "minute": 33}
